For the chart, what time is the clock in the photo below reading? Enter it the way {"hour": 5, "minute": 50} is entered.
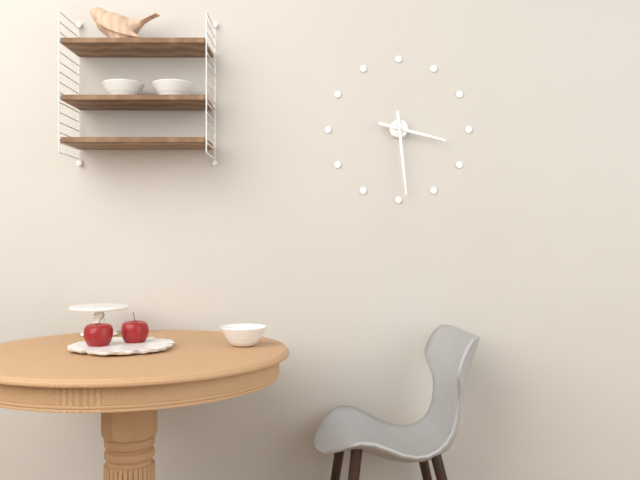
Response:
{"hour": 3, "minute": 29}
